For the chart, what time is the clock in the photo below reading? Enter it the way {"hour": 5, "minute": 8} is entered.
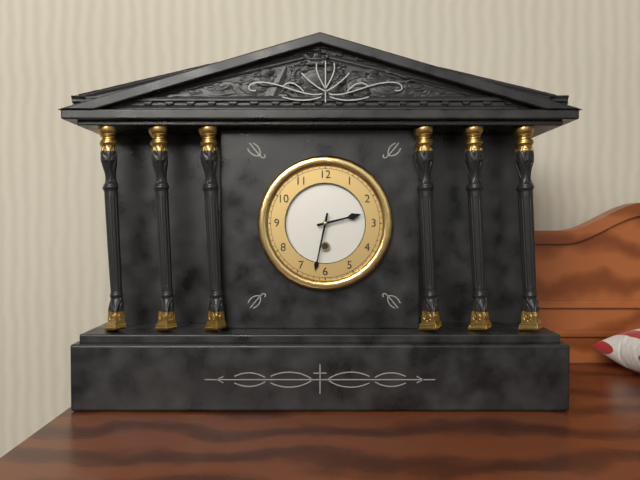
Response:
{"hour": 2, "minute": 32}
